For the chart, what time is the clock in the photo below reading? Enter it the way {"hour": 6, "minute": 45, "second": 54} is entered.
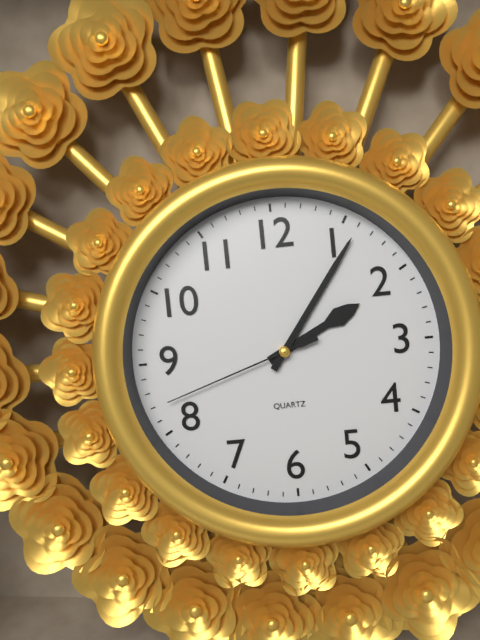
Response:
{"hour": 2, "minute": 6, "second": 42}
